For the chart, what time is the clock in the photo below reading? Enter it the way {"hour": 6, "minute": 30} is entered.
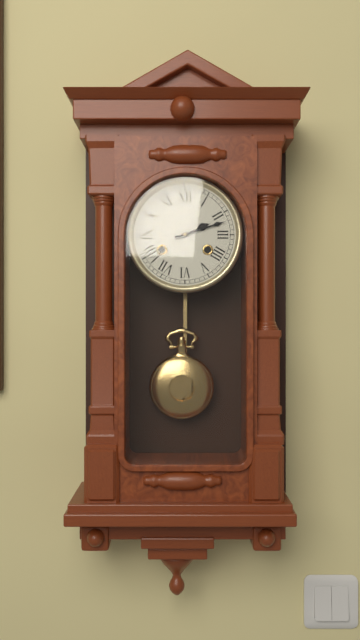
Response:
{"hour": 2, "minute": 12}
